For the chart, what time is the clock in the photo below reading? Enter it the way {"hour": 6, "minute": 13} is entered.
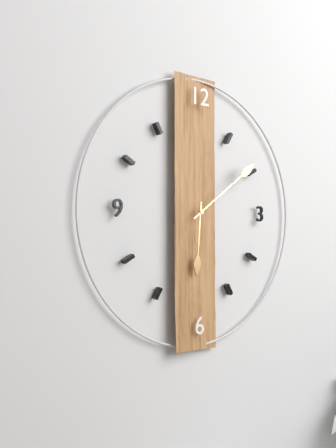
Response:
{"hour": 6, "minute": 9}
